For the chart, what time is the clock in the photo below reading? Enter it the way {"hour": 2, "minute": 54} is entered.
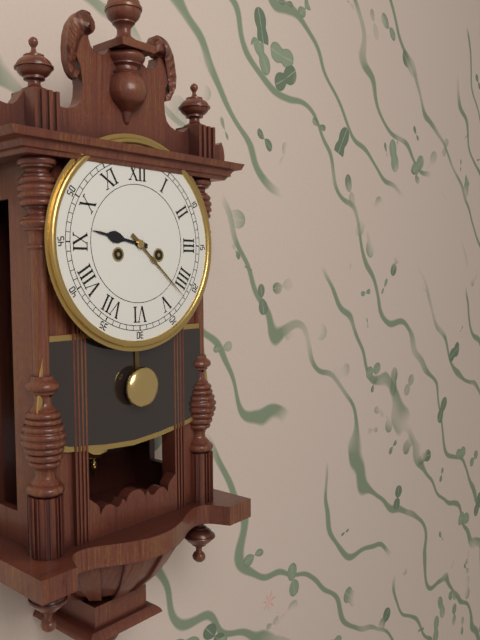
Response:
{"hour": 9, "minute": 22}
